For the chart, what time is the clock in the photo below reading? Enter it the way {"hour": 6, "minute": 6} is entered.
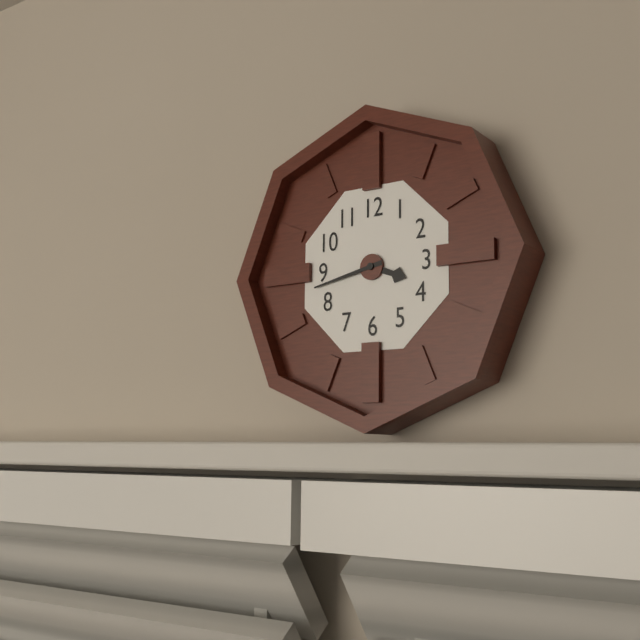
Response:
{"hour": 3, "minute": 43}
